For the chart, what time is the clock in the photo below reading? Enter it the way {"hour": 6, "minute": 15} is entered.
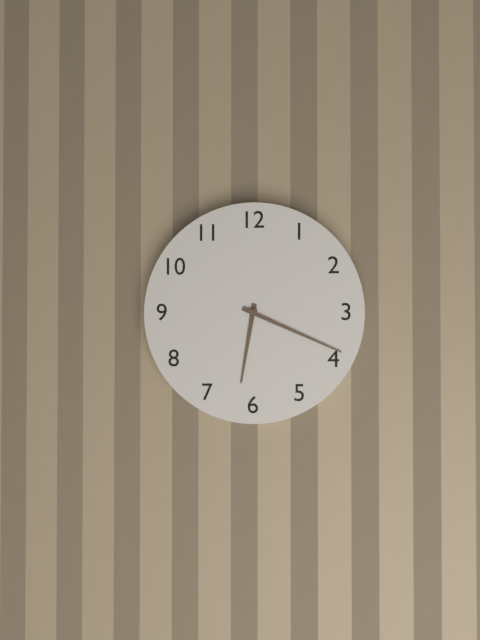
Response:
{"hour": 6, "minute": 19}
